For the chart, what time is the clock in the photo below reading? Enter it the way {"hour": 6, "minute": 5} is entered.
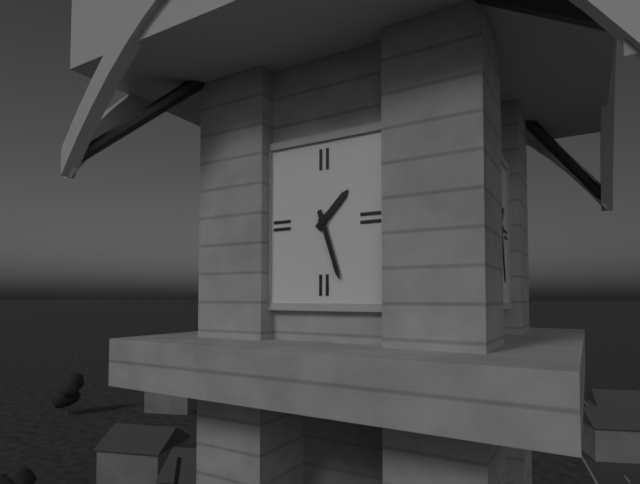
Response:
{"hour": 1, "minute": 27}
